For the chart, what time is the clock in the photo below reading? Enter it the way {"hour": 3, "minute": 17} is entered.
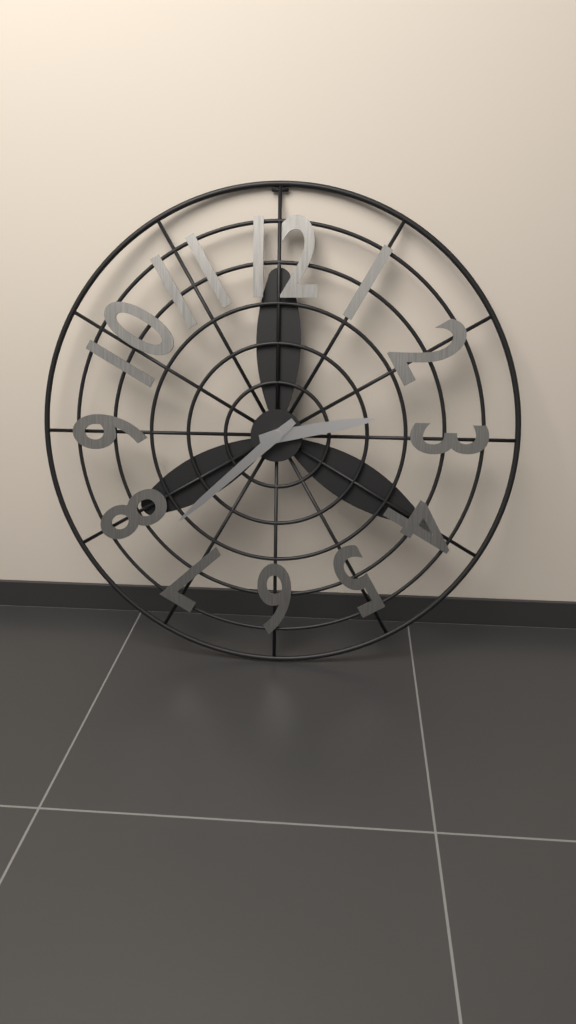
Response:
{"hour": 2, "minute": 38}
